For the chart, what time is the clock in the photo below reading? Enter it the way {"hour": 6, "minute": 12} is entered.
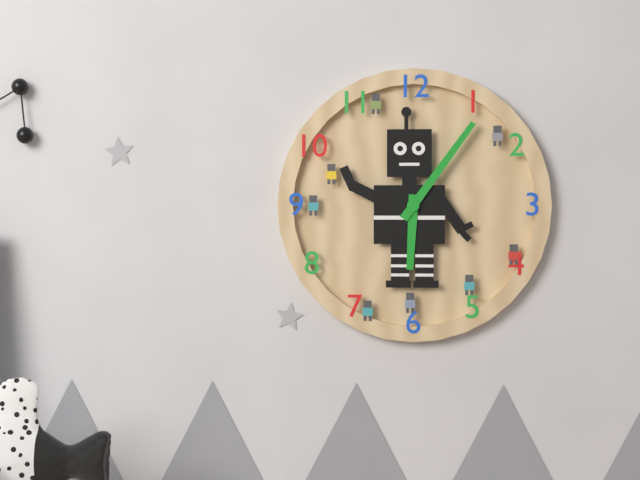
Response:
{"hour": 6, "minute": 6}
